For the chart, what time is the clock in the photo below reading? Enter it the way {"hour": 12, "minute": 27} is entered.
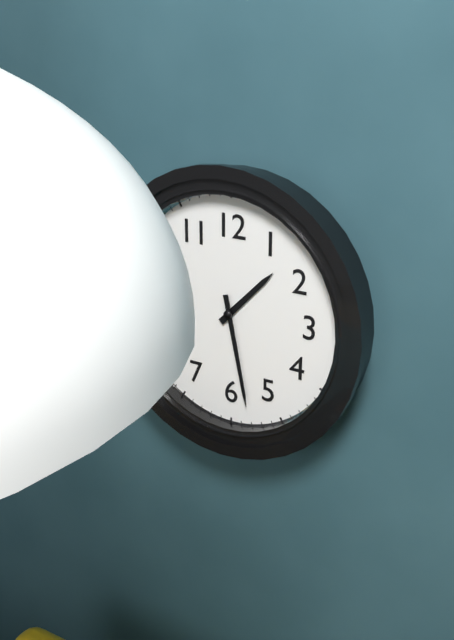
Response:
{"hour": 1, "minute": 28}
